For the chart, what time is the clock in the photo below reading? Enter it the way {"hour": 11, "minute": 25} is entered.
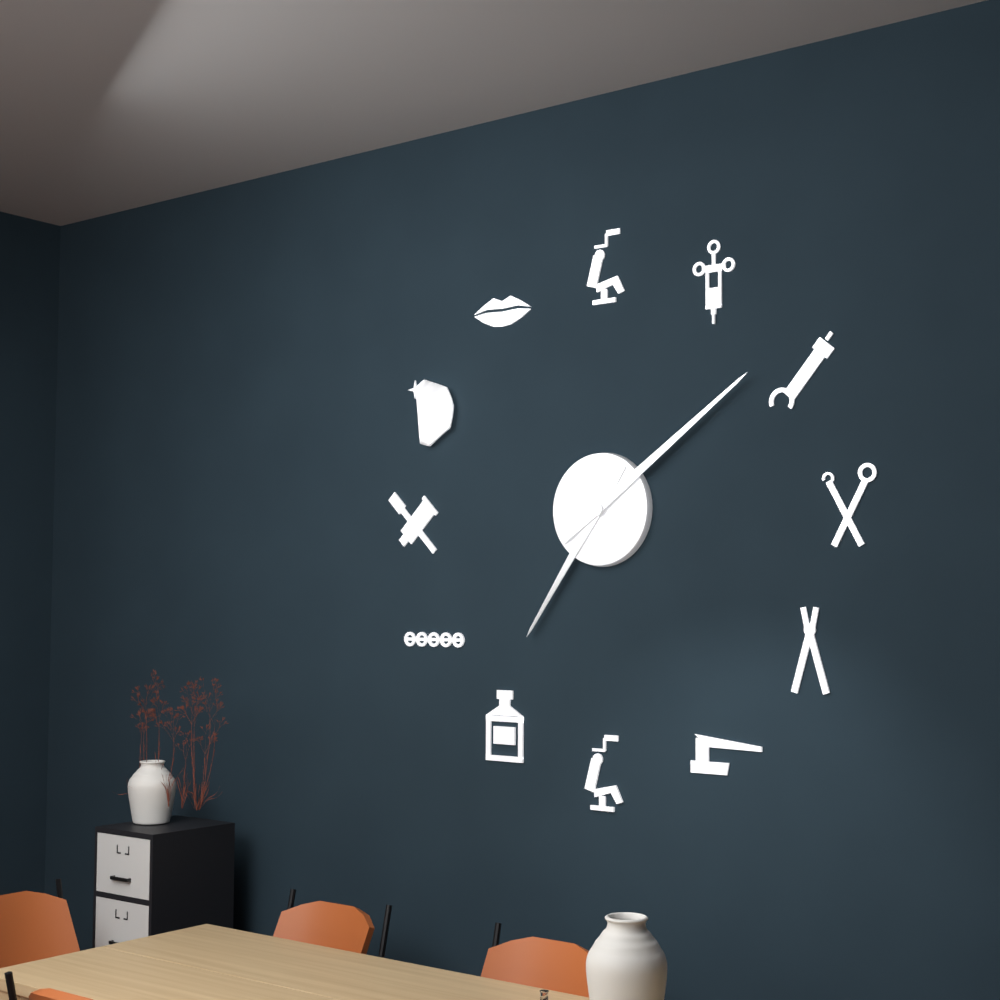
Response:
{"hour": 7, "minute": 9}
